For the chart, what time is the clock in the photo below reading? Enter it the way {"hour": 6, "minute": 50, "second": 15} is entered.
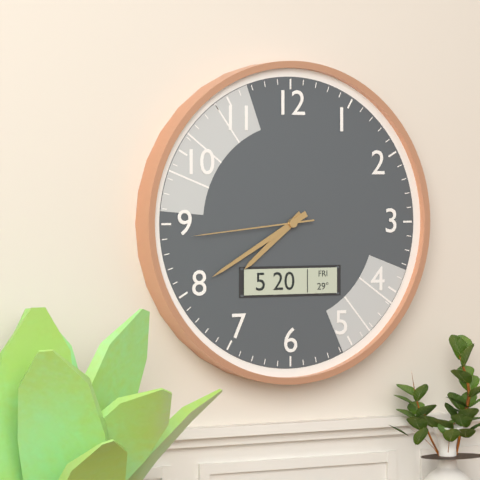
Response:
{"hour": 7, "minute": 40, "second": 44}
